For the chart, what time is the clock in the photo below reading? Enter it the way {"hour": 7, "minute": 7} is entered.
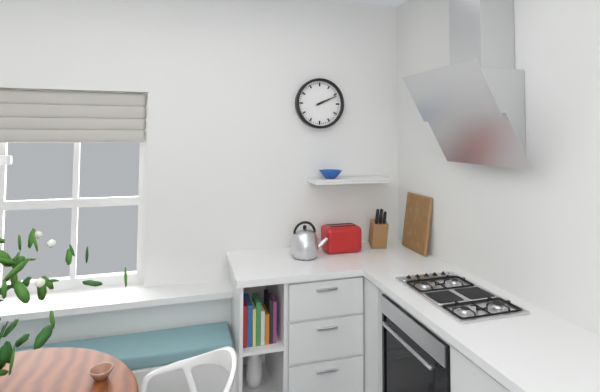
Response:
{"hour": 2, "minute": 11}
